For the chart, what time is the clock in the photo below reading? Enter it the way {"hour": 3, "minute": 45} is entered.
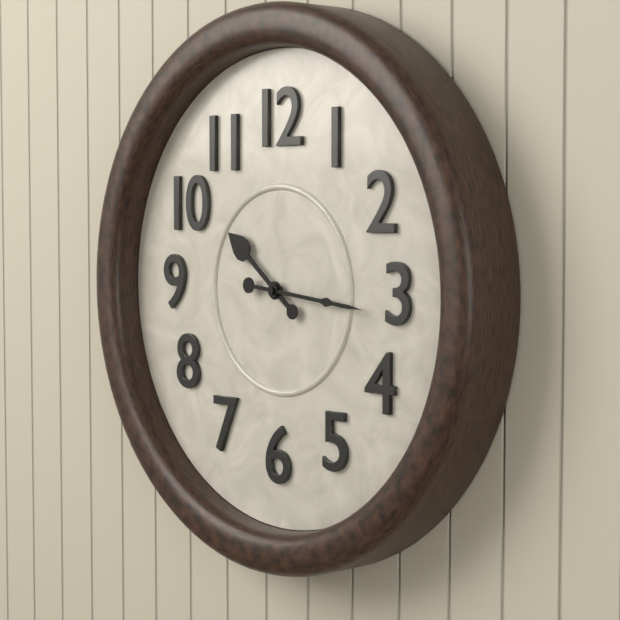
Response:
{"hour": 10, "minute": 16}
